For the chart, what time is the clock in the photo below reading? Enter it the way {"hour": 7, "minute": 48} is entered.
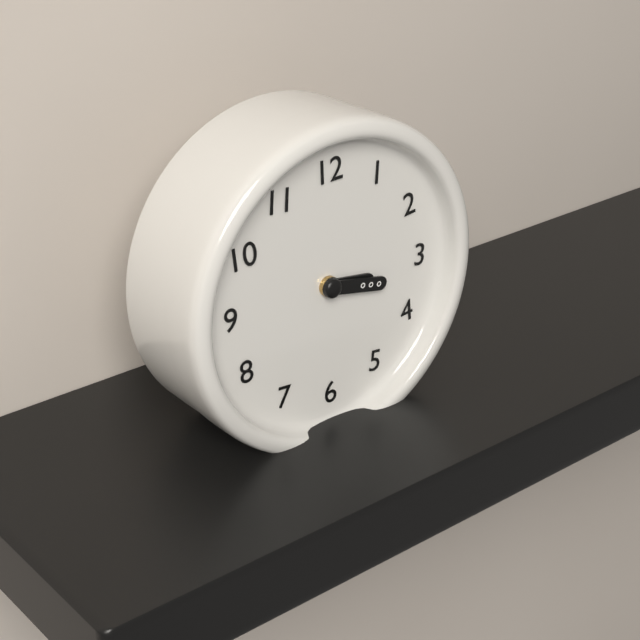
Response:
{"hour": 3, "minute": 17}
